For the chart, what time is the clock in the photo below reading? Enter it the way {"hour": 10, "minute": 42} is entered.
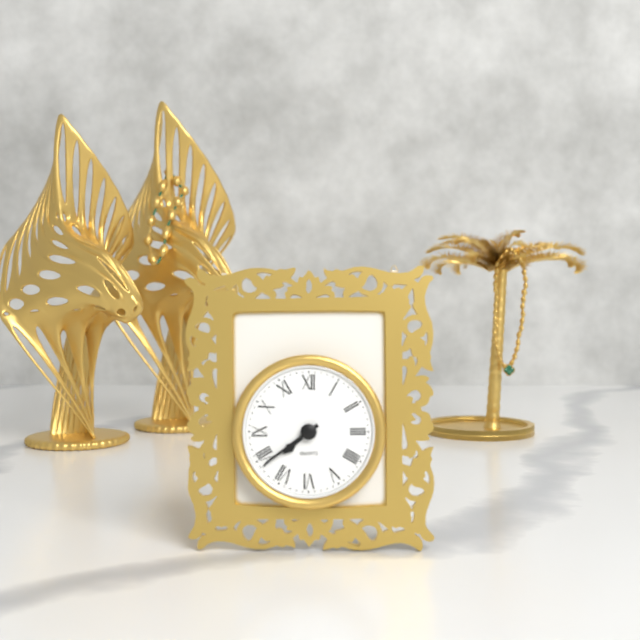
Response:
{"hour": 7, "minute": 39}
